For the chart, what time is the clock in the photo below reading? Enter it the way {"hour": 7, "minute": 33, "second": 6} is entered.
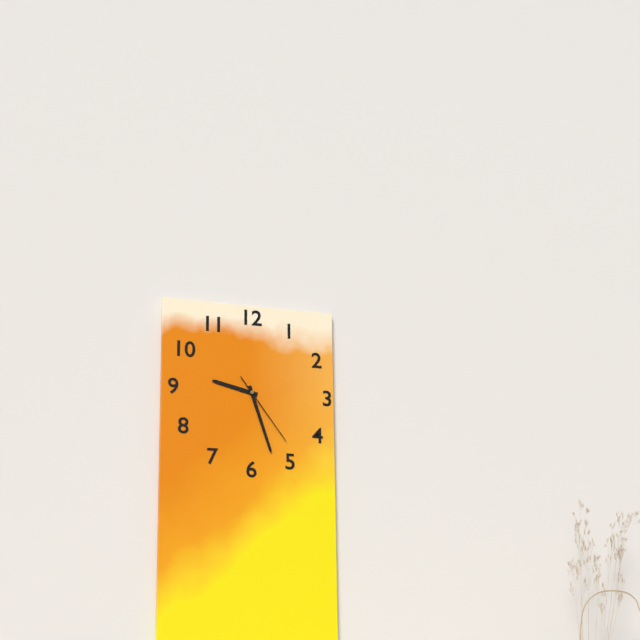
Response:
{"hour": 9, "minute": 27, "second": 24}
